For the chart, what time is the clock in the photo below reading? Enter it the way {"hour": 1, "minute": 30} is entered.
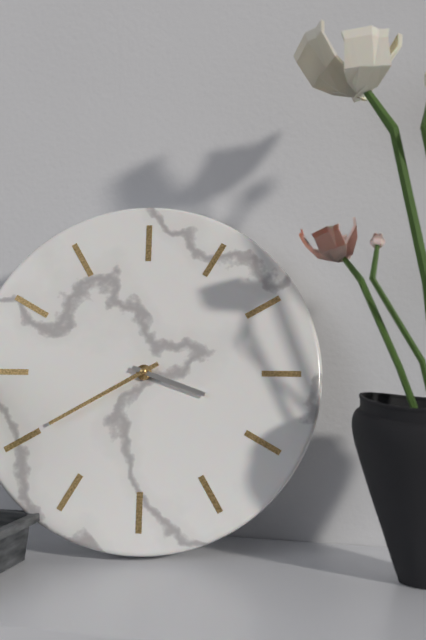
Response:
{"hour": 3, "minute": 40}
